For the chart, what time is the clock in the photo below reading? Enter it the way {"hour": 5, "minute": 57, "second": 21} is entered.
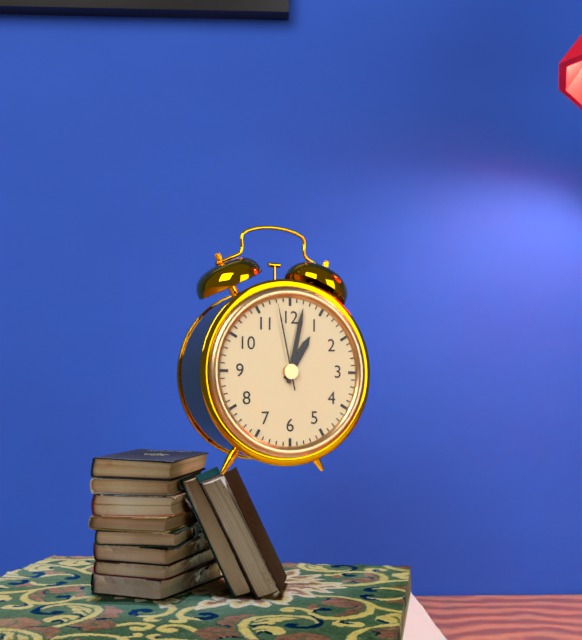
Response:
{"hour": 1, "minute": 2, "second": 58}
